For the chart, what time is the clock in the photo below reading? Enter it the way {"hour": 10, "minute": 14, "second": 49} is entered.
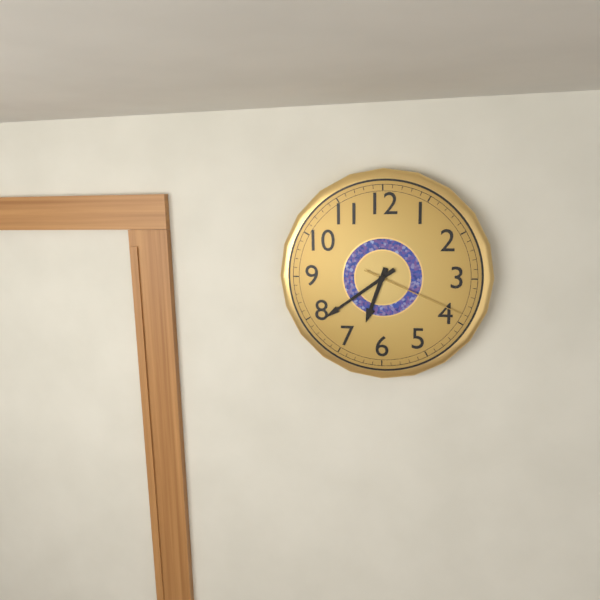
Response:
{"hour": 6, "minute": 39, "second": 19}
